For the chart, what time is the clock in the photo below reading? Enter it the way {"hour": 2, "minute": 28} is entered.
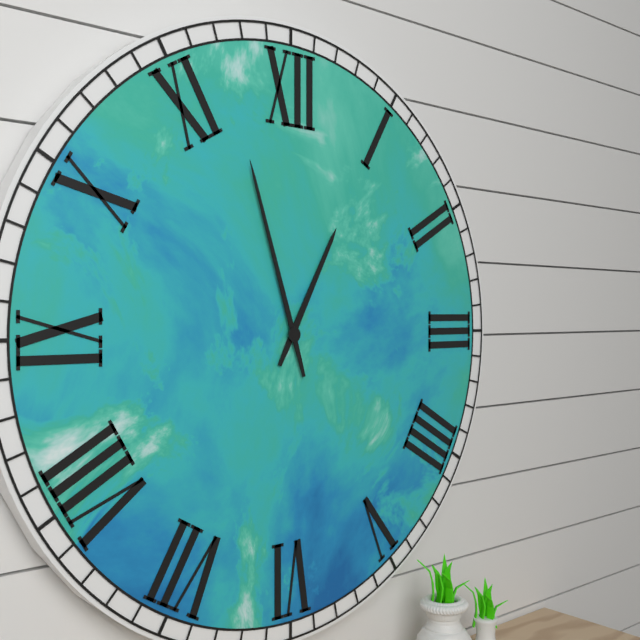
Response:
{"hour": 12, "minute": 57}
